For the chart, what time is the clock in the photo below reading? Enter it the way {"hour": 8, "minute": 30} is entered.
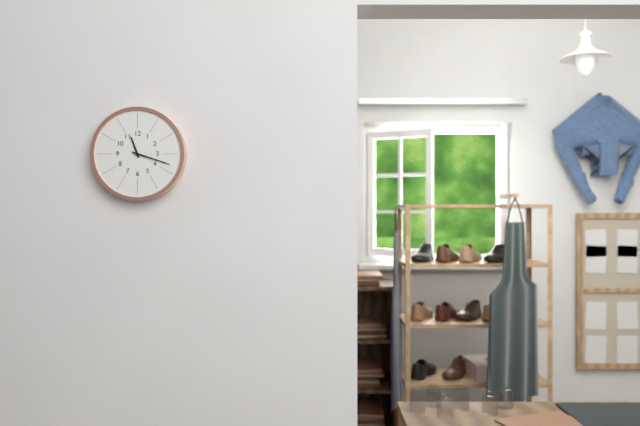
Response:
{"hour": 11, "minute": 18}
